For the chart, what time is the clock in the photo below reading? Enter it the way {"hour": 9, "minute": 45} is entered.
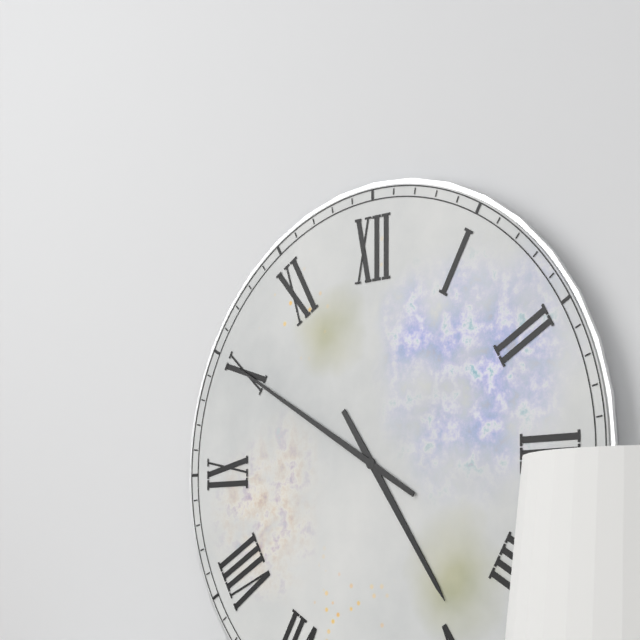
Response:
{"hour": 4, "minute": 50}
